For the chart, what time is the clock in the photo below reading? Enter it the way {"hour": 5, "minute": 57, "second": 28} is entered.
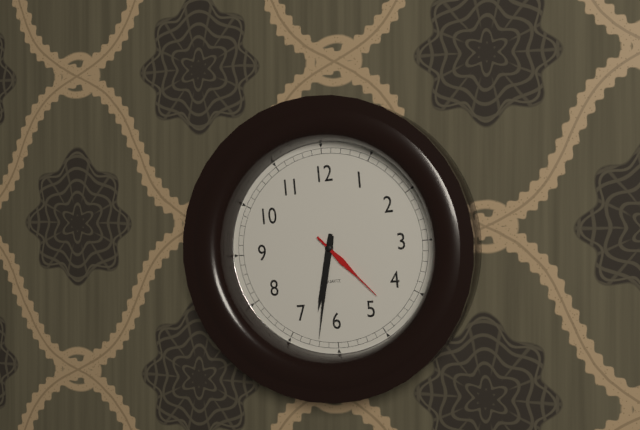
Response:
{"hour": 6, "minute": 32, "second": 23}
